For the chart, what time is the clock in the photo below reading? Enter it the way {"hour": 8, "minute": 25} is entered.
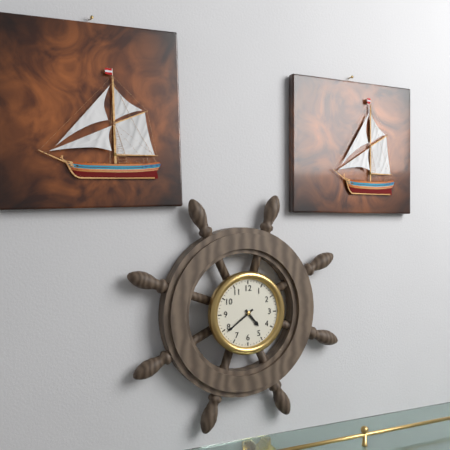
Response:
{"hour": 4, "minute": 39}
